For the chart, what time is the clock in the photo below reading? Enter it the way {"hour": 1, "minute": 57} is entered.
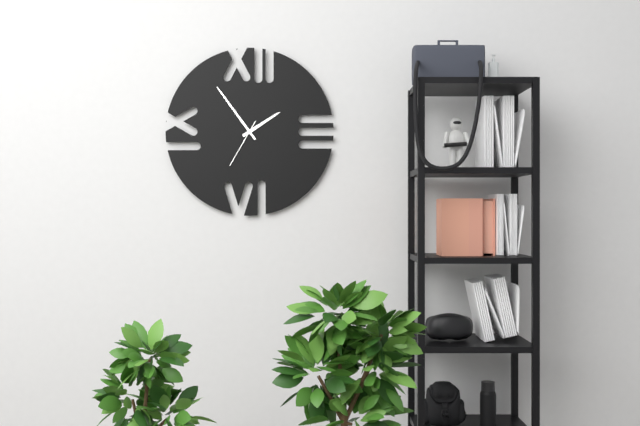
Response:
{"hour": 1, "minute": 54}
